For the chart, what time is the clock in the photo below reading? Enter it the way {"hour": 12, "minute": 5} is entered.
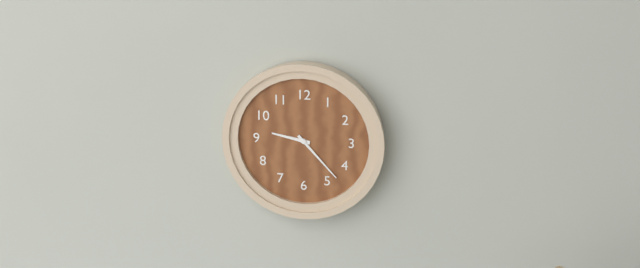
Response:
{"hour": 9, "minute": 23}
